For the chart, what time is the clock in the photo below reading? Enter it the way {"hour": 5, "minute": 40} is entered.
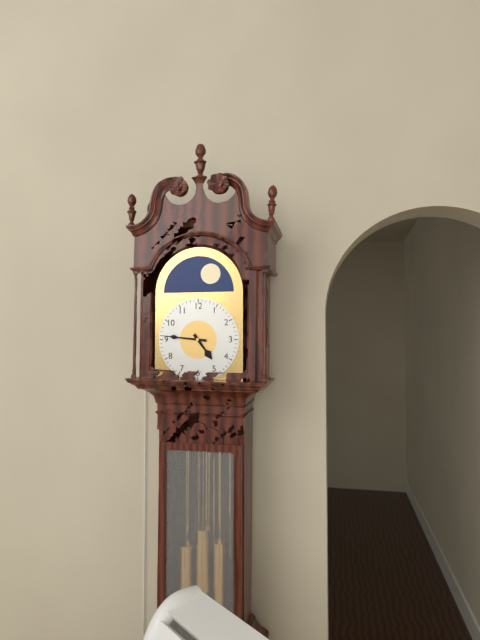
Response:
{"hour": 4, "minute": 46}
